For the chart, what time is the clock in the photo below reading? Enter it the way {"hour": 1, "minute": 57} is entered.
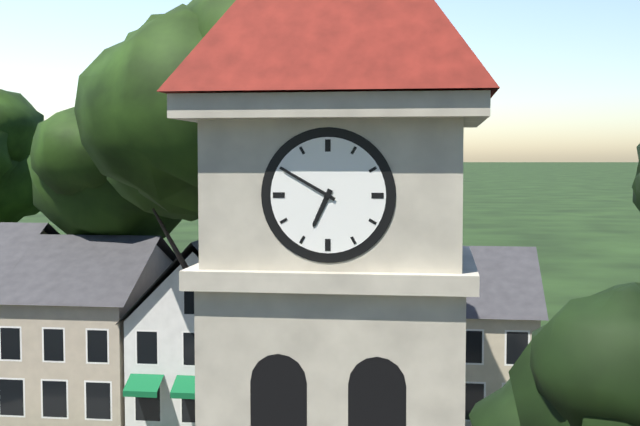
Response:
{"hour": 6, "minute": 50}
